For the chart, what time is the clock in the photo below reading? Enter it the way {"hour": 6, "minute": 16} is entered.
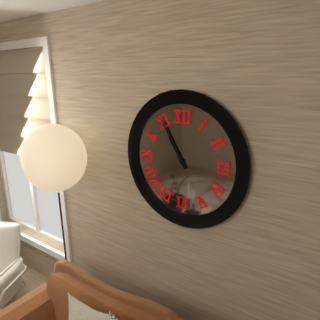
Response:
{"hour": 10, "minute": 55}
